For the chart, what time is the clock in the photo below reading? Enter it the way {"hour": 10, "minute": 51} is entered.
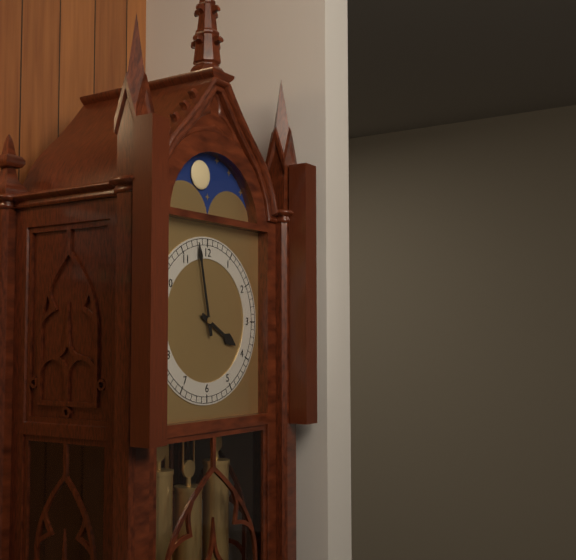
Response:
{"hour": 3, "minute": 58}
